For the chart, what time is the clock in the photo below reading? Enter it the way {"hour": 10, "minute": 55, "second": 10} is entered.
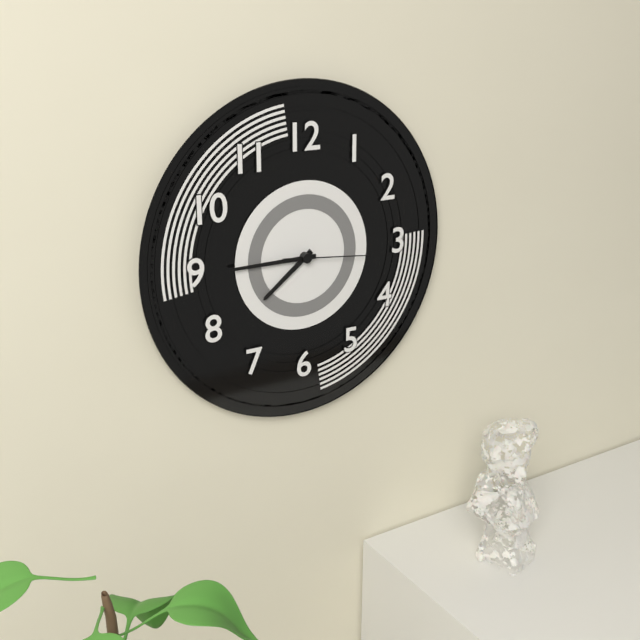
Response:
{"hour": 7, "minute": 45, "second": 16}
